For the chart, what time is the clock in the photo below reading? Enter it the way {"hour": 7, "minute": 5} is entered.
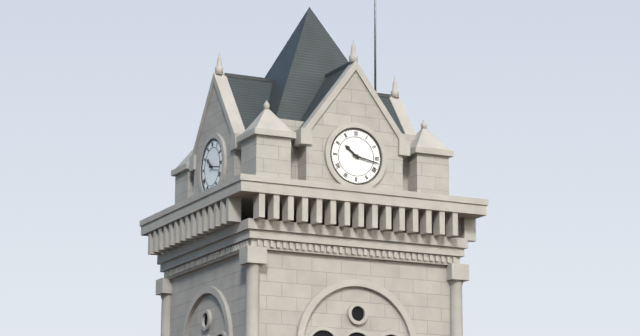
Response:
{"hour": 10, "minute": 17}
